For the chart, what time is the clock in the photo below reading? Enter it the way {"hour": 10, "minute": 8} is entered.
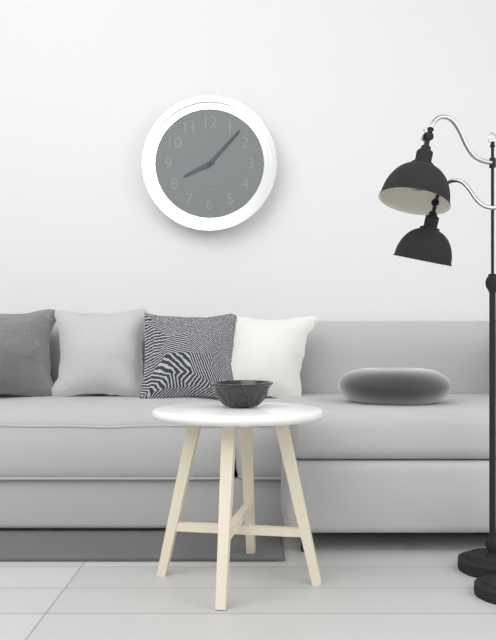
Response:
{"hour": 8, "minute": 7}
